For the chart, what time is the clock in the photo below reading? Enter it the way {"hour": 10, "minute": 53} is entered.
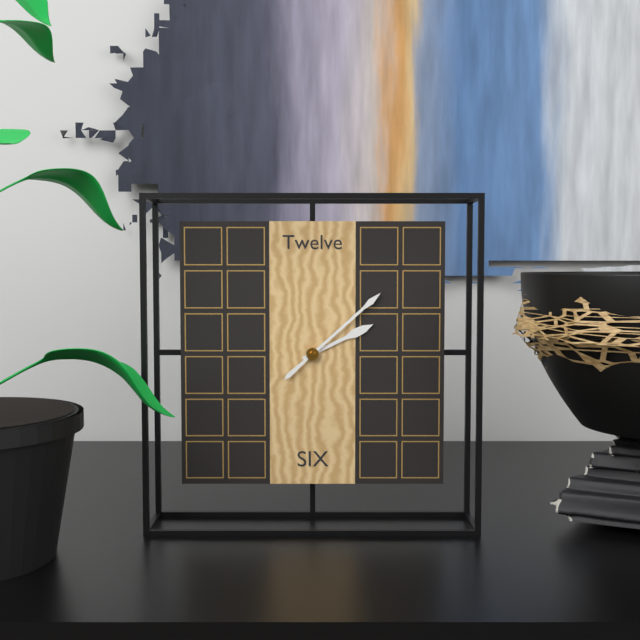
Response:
{"hour": 2, "minute": 8}
